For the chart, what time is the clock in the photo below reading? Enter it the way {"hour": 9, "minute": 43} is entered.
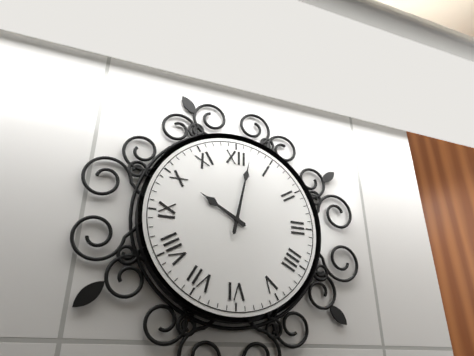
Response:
{"hour": 10, "minute": 2}
